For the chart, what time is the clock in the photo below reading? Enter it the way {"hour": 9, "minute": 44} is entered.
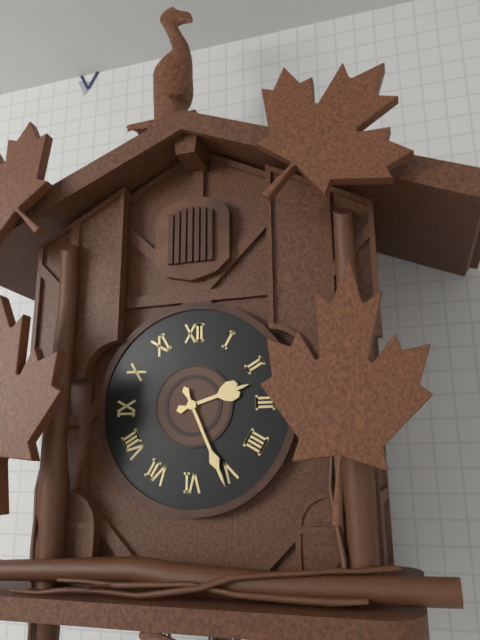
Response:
{"hour": 2, "minute": 26}
